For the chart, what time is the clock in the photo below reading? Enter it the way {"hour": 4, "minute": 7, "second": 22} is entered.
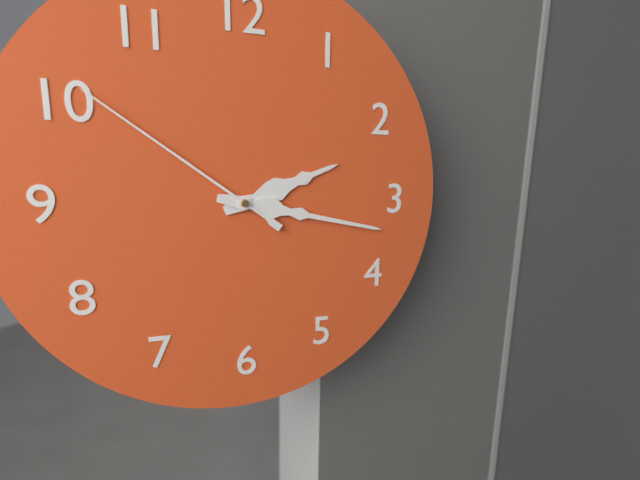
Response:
{"hour": 2, "minute": 17, "second": 51}
